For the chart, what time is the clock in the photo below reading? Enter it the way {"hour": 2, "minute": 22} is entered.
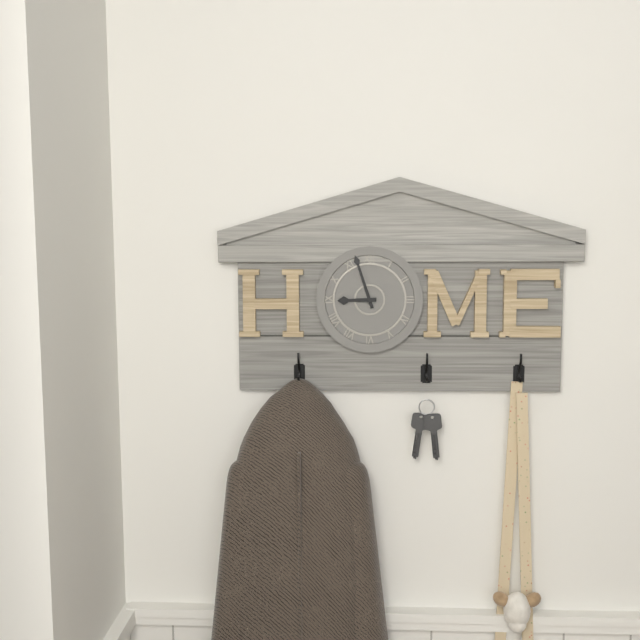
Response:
{"hour": 8, "minute": 57}
